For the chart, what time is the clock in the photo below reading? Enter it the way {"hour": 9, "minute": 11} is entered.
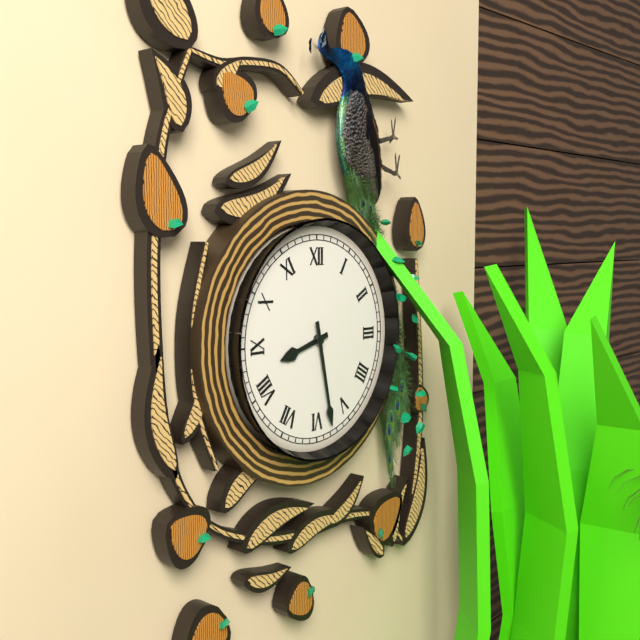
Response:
{"hour": 8, "minute": 28}
